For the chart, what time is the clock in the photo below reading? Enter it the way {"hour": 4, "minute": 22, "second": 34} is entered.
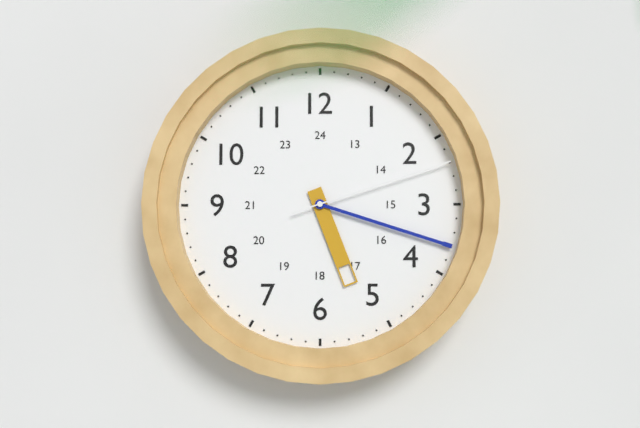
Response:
{"hour": 5, "minute": 18, "second": 12}
